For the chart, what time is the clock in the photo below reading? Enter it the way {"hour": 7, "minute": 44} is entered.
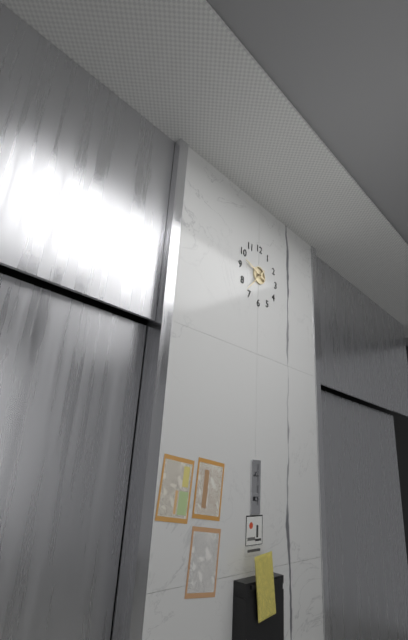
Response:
{"hour": 9, "minute": 37}
